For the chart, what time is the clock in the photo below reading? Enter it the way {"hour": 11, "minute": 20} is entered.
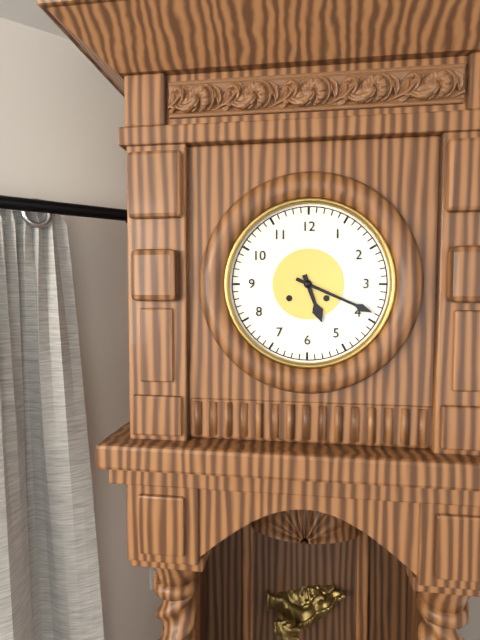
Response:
{"hour": 5, "minute": 19}
